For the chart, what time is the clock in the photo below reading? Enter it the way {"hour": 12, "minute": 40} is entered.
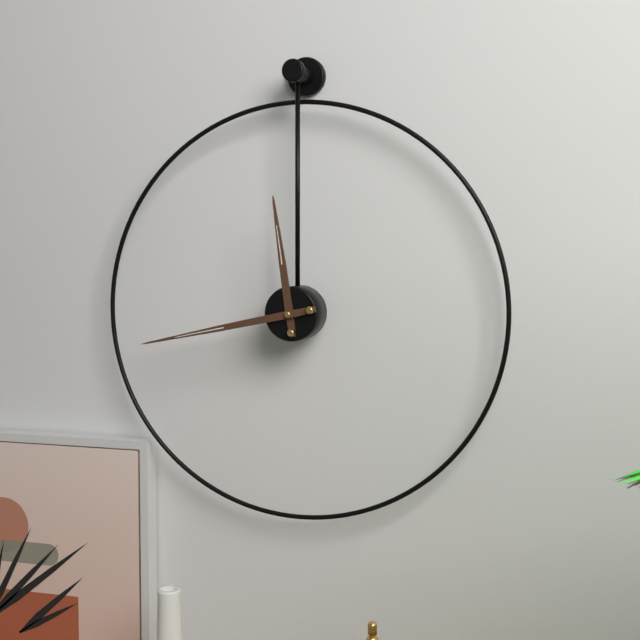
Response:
{"hour": 11, "minute": 43}
